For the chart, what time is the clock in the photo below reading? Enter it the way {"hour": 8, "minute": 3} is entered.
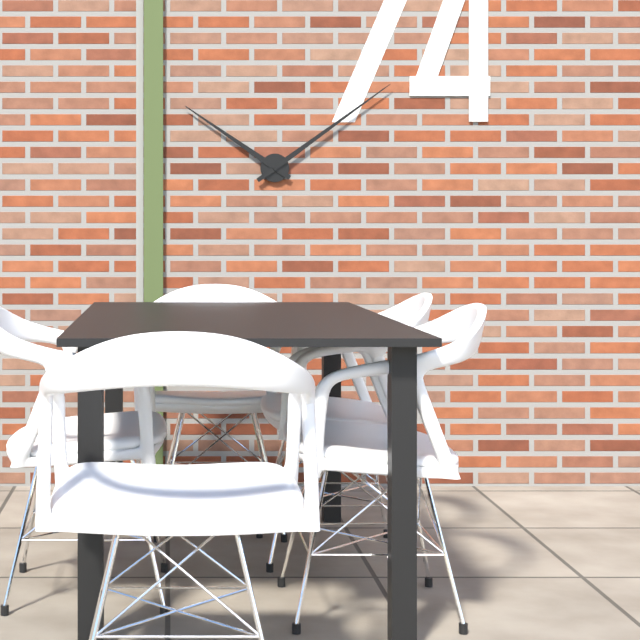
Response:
{"hour": 10, "minute": 9}
